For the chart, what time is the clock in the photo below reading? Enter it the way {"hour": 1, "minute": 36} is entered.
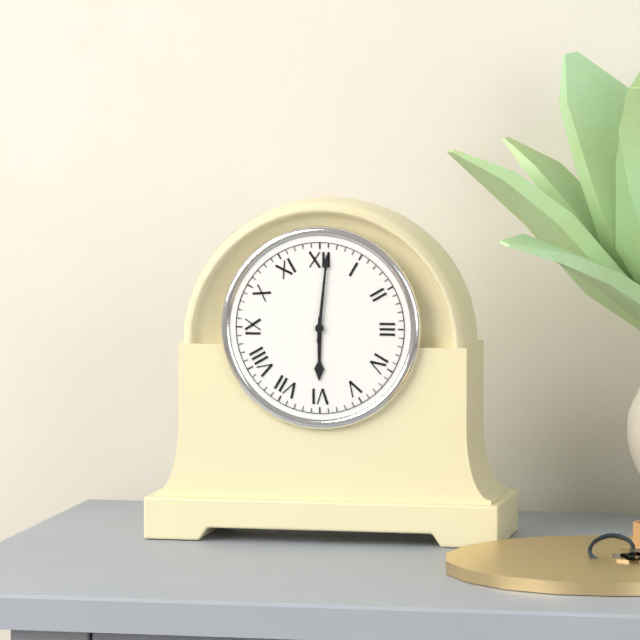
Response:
{"hour": 6, "minute": 1}
